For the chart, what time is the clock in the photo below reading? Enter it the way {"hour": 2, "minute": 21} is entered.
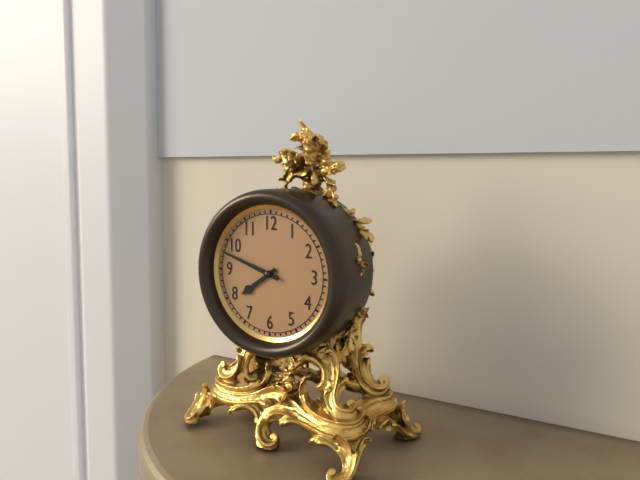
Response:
{"hour": 7, "minute": 48}
